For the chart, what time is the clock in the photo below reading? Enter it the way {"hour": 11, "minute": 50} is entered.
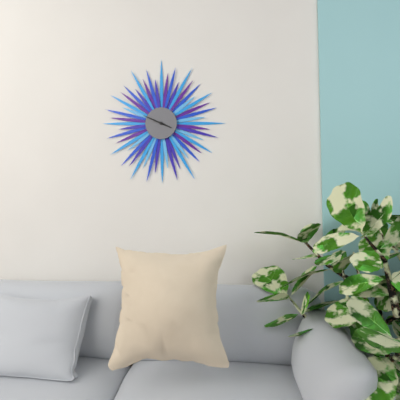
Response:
{"hour": 3, "minute": 49}
